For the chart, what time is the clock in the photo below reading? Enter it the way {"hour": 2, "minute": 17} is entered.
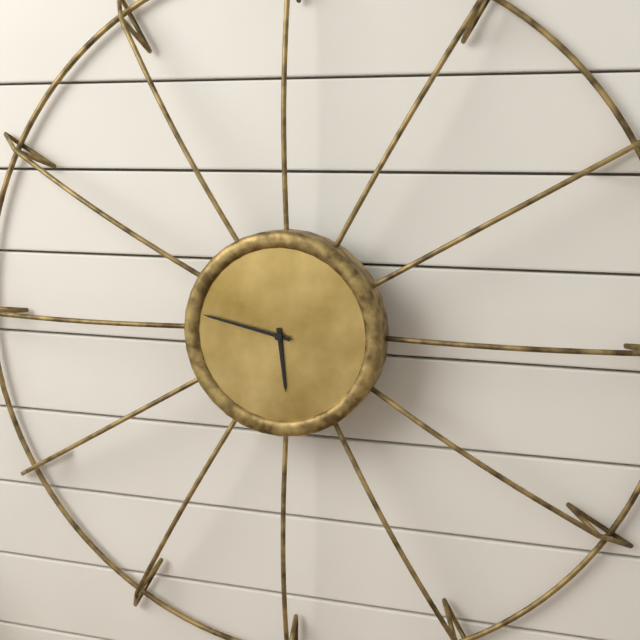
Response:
{"hour": 5, "minute": 47}
